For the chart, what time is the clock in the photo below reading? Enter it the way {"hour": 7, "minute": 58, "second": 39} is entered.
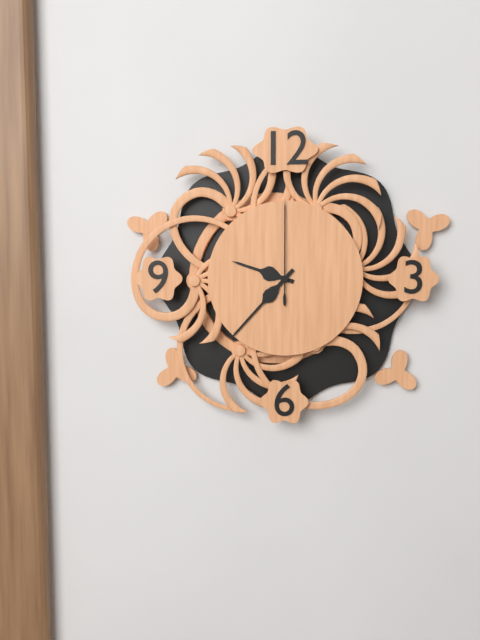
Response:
{"hour": 9, "minute": 37, "second": 0}
